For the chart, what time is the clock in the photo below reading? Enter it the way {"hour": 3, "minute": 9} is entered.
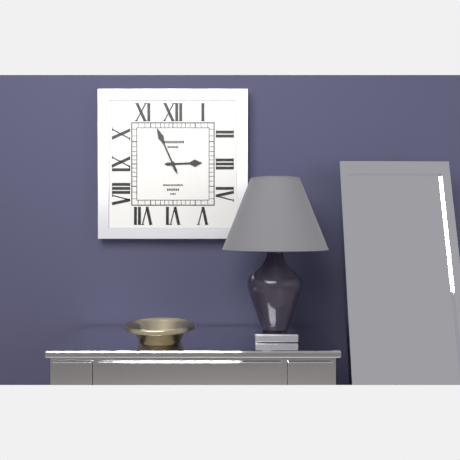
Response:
{"hour": 2, "minute": 56}
